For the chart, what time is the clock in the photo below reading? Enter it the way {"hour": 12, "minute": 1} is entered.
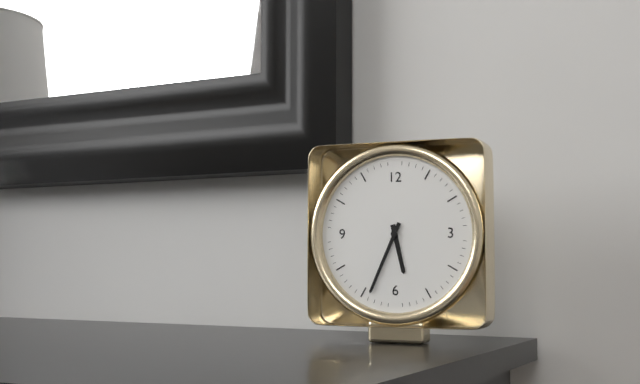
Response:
{"hour": 5, "minute": 34}
